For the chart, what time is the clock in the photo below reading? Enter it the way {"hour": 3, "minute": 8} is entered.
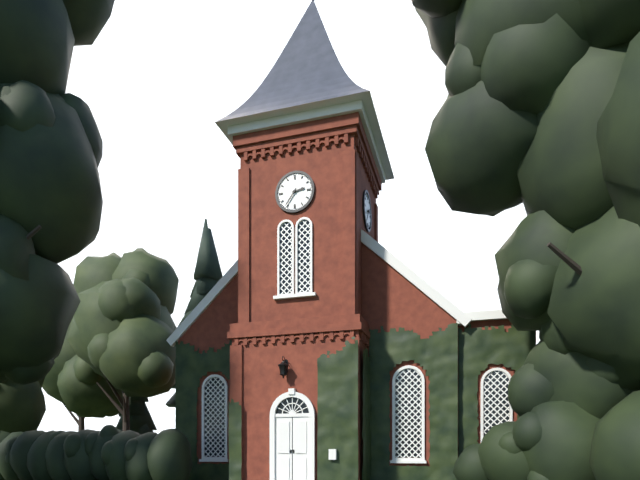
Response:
{"hour": 2, "minute": 36}
